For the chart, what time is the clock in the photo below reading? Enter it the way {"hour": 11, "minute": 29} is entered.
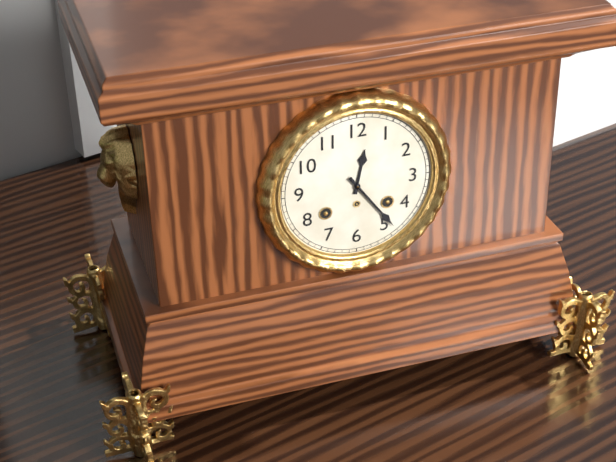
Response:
{"hour": 12, "minute": 24}
